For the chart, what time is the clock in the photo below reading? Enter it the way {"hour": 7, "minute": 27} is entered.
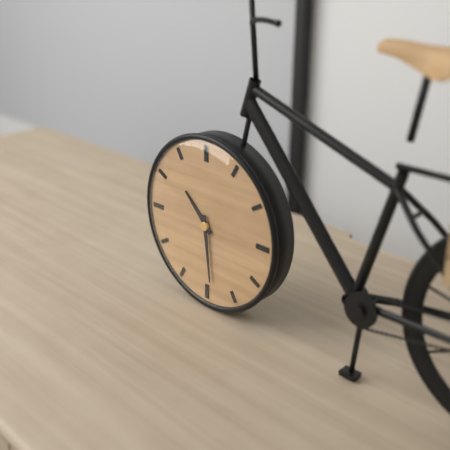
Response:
{"hour": 10, "minute": 29}
